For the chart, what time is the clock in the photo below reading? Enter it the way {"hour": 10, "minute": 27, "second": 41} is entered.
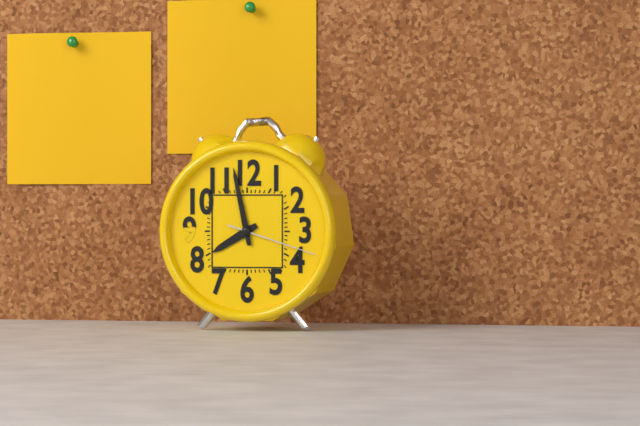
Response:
{"hour": 7, "minute": 58, "second": 18}
